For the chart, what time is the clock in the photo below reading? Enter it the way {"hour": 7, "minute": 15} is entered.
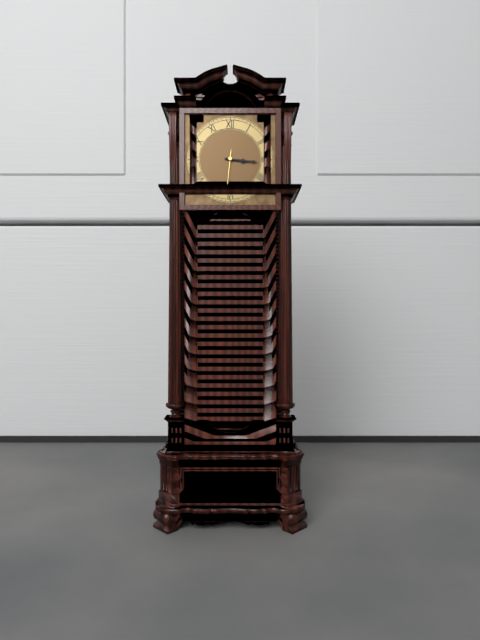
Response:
{"hour": 3, "minute": 16}
